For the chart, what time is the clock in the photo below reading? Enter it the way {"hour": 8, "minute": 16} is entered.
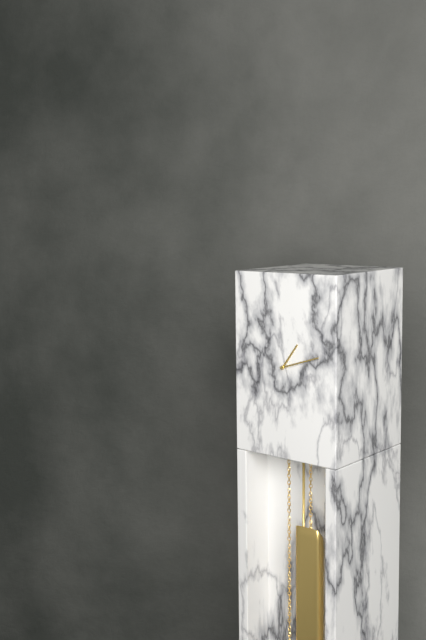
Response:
{"hour": 1, "minute": 12}
